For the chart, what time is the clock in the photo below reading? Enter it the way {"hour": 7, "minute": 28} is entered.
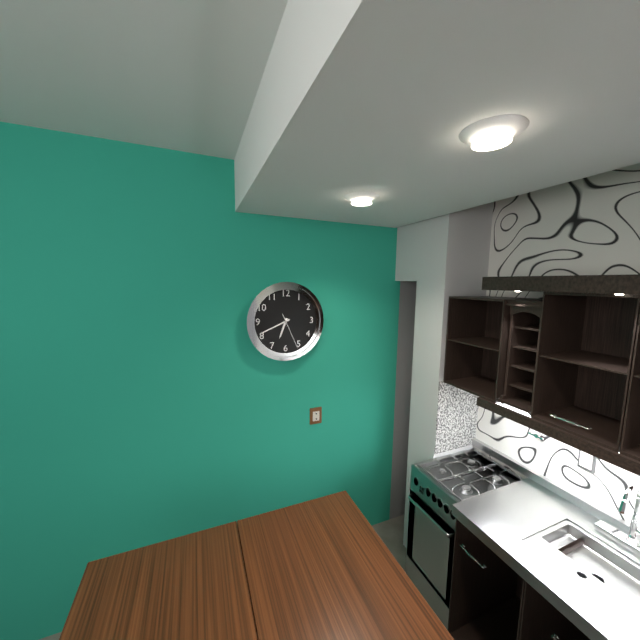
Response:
{"hour": 6, "minute": 41}
